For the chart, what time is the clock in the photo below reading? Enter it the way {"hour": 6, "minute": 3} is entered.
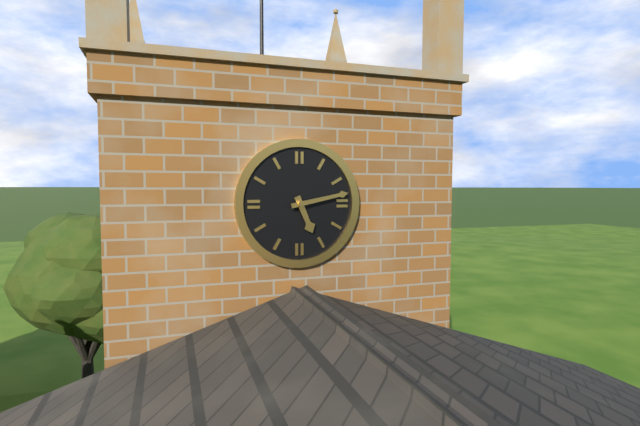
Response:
{"hour": 5, "minute": 13}
